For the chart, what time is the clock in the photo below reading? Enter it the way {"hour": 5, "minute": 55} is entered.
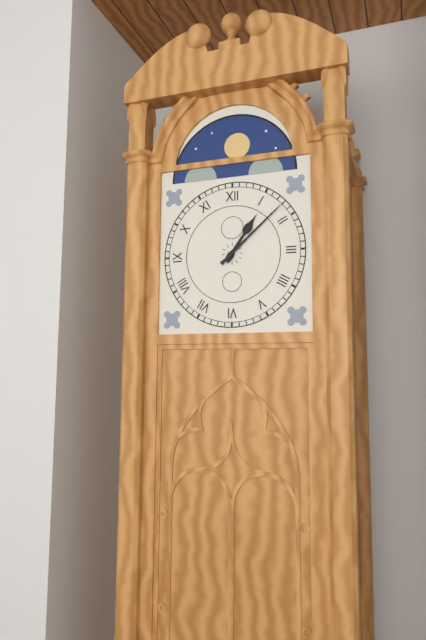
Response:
{"hour": 1, "minute": 8}
